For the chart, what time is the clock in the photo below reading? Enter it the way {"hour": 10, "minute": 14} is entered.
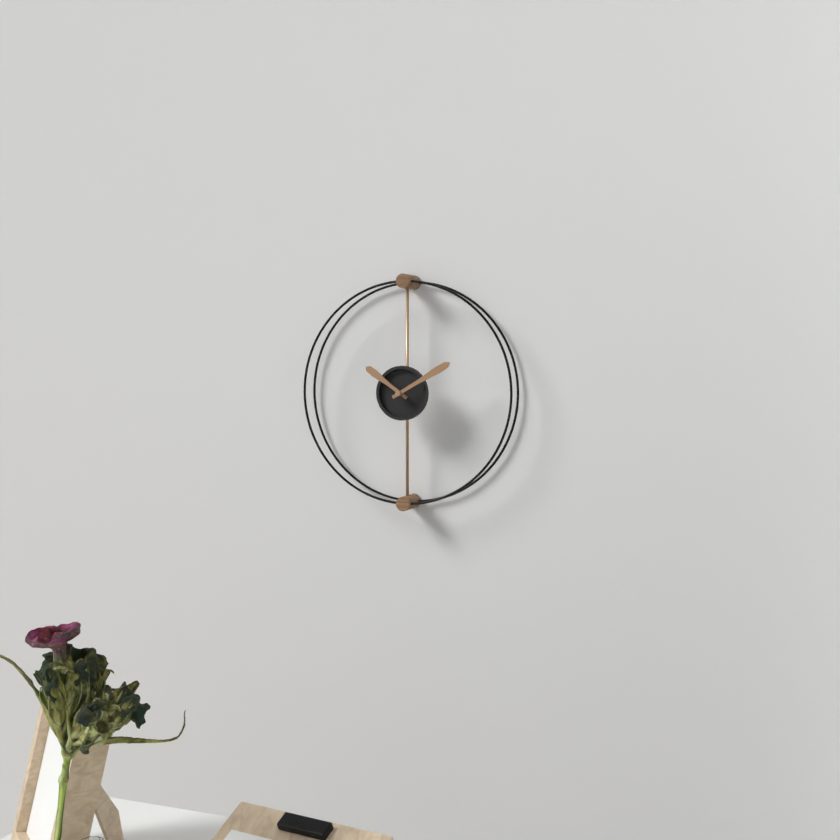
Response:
{"hour": 10, "minute": 10}
